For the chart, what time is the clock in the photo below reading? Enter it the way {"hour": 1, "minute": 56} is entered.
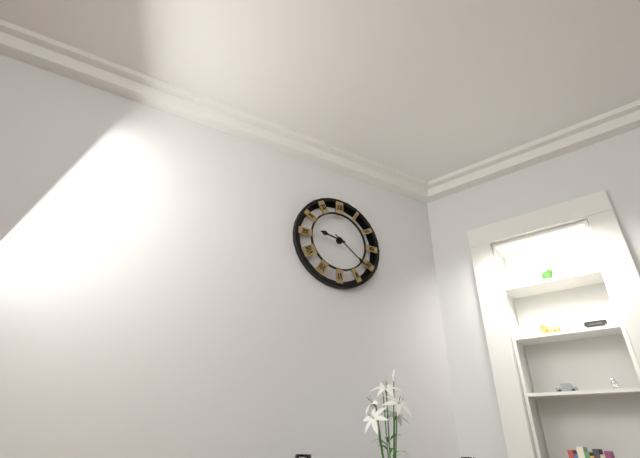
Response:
{"hour": 9, "minute": 21}
